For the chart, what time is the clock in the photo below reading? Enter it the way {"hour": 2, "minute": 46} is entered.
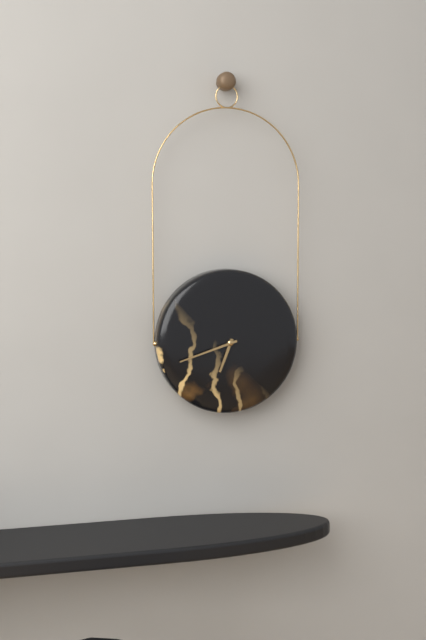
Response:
{"hour": 6, "minute": 42}
